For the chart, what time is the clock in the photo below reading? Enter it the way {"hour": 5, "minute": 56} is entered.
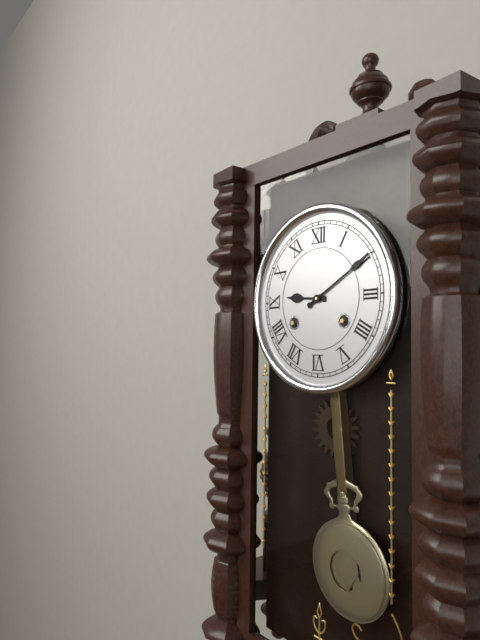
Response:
{"hour": 9, "minute": 10}
